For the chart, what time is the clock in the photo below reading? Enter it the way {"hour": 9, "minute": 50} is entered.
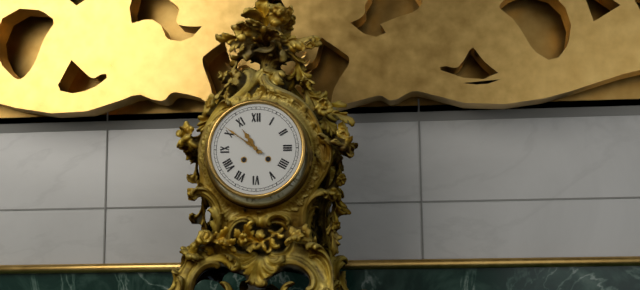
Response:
{"hour": 10, "minute": 51}
